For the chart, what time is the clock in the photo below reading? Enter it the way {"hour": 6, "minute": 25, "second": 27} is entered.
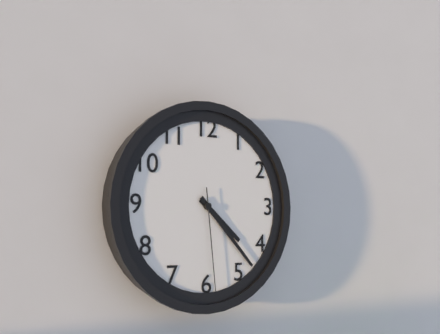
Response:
{"hour": 4, "minute": 23, "second": 29}
